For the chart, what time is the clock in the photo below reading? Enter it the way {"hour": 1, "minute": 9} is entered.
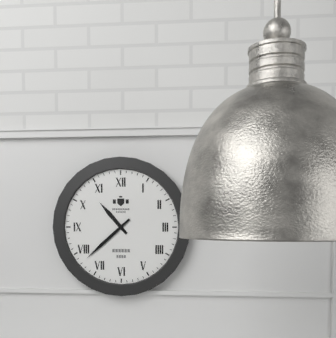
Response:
{"hour": 10, "minute": 38}
